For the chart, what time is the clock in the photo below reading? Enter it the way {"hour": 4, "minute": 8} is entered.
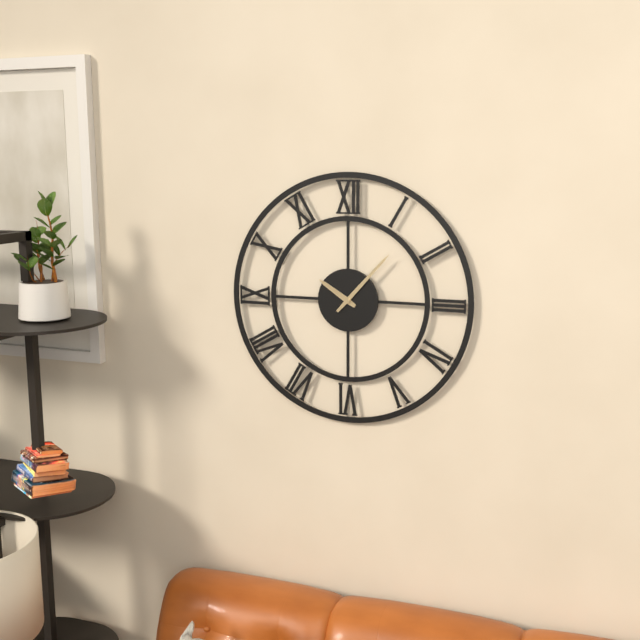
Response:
{"hour": 10, "minute": 7}
